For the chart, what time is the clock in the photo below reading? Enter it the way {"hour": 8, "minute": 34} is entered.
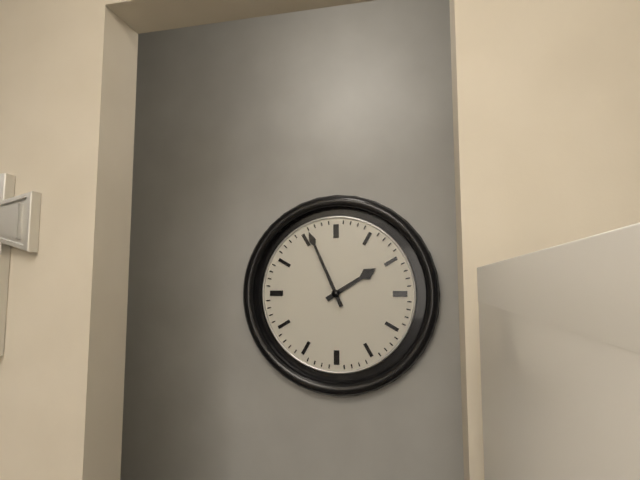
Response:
{"hour": 1, "minute": 56}
